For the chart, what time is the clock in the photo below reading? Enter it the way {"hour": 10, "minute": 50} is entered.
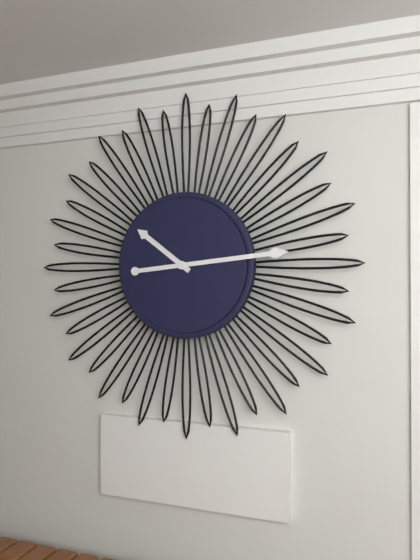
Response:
{"hour": 10, "minute": 14}
